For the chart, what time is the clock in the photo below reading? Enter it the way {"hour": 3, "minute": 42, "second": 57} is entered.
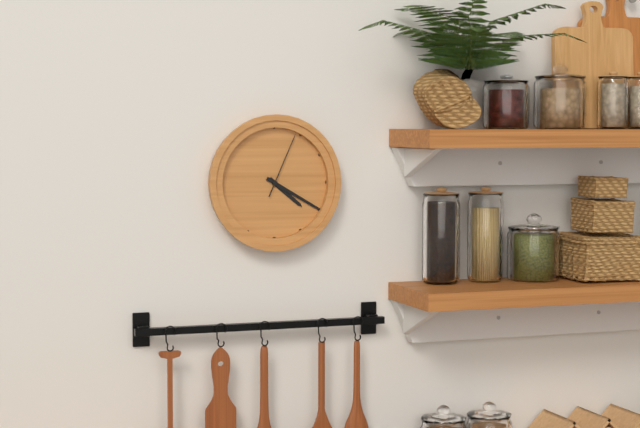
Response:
{"hour": 4, "minute": 20, "second": 4}
